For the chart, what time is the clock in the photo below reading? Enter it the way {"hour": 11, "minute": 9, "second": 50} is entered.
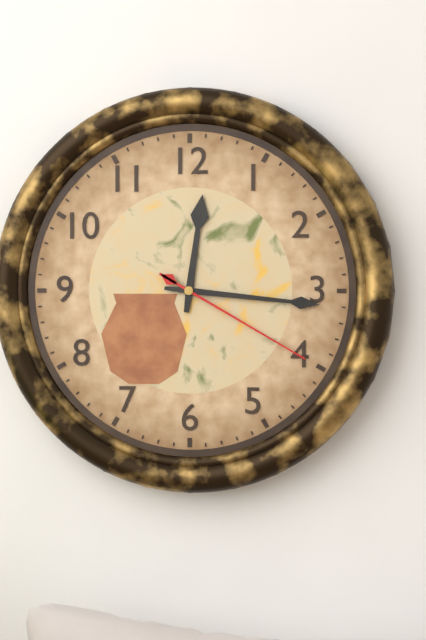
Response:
{"hour": 12, "minute": 16, "second": 20}
